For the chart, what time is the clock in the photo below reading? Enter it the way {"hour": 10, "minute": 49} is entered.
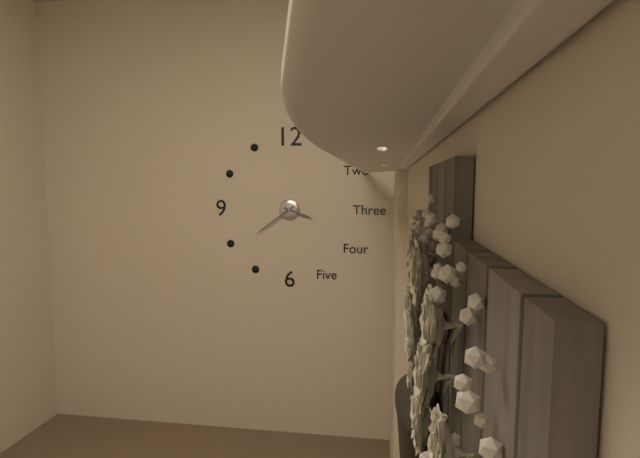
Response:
{"hour": 3, "minute": 39}
